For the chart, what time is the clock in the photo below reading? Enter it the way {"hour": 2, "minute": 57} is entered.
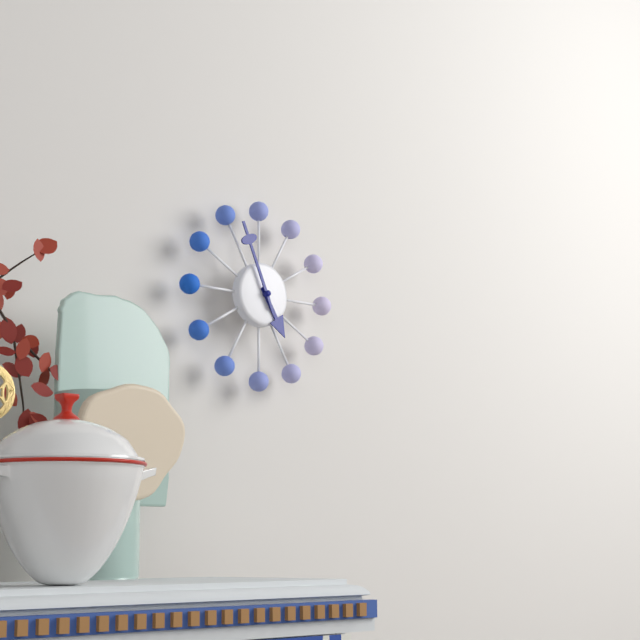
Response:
{"hour": 4, "minute": 56}
